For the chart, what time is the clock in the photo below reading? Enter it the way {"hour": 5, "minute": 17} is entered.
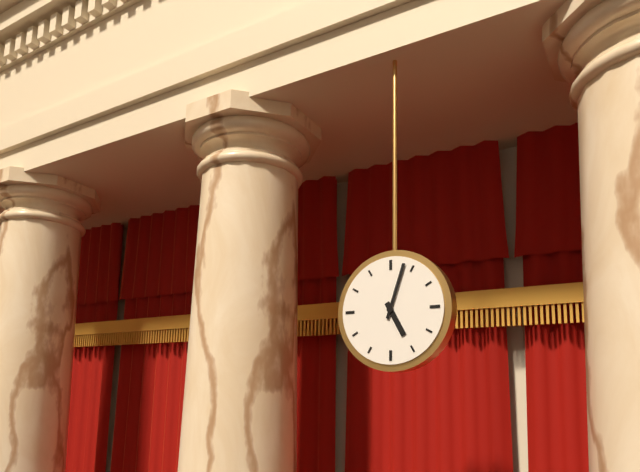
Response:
{"hour": 5, "minute": 3}
